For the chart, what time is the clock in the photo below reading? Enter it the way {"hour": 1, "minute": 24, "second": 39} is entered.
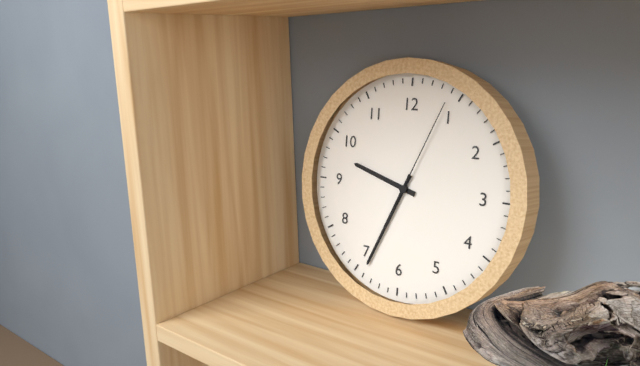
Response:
{"hour": 9, "minute": 34, "second": 4}
